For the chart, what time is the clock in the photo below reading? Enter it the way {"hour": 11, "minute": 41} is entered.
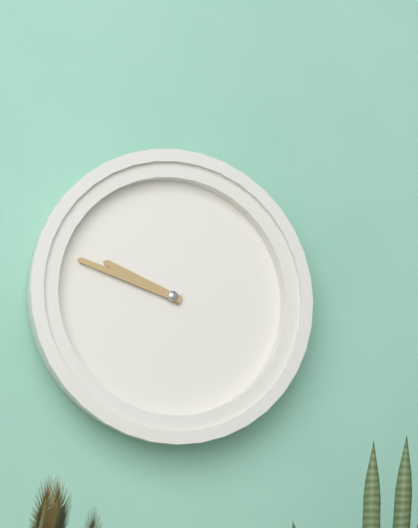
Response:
{"hour": 9, "minute": 48}
